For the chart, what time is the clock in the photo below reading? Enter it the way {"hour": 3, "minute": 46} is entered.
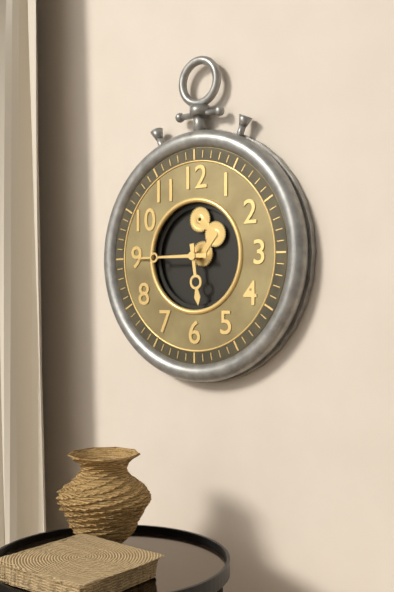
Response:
{"hour": 5, "minute": 45}
